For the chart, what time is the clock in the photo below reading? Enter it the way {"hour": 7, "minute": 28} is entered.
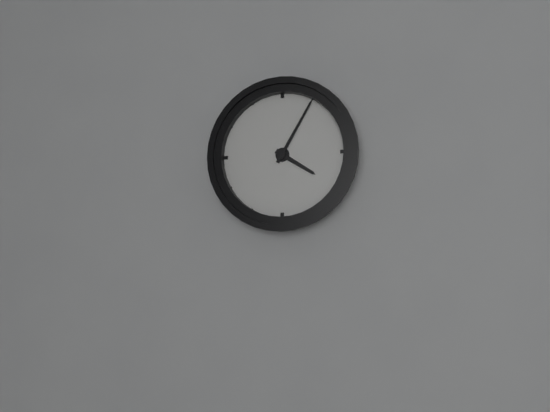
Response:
{"hour": 4, "minute": 5}
